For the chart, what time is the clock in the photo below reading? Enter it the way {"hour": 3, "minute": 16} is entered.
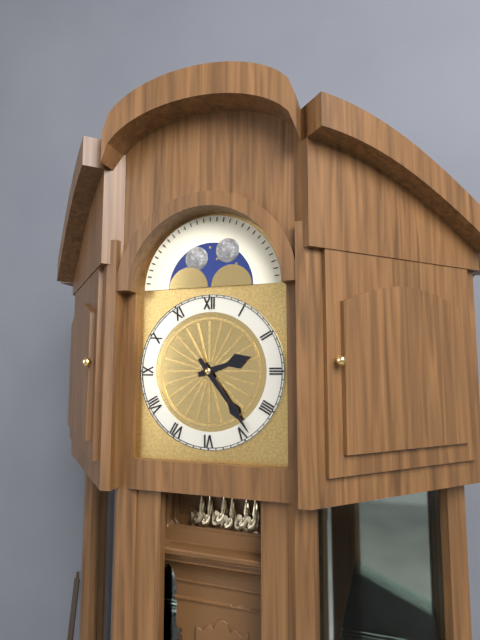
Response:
{"hour": 2, "minute": 24}
